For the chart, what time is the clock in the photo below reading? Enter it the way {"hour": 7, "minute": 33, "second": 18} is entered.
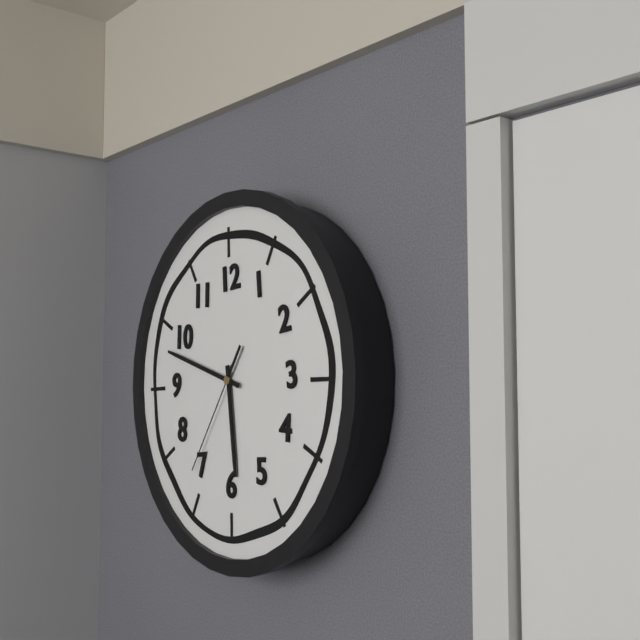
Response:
{"hour": 5, "minute": 48, "second": 36}
